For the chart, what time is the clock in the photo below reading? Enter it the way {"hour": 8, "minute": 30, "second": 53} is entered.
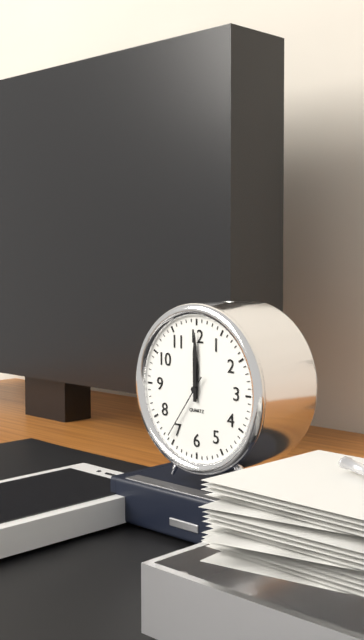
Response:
{"hour": 12, "minute": 0, "second": 36}
